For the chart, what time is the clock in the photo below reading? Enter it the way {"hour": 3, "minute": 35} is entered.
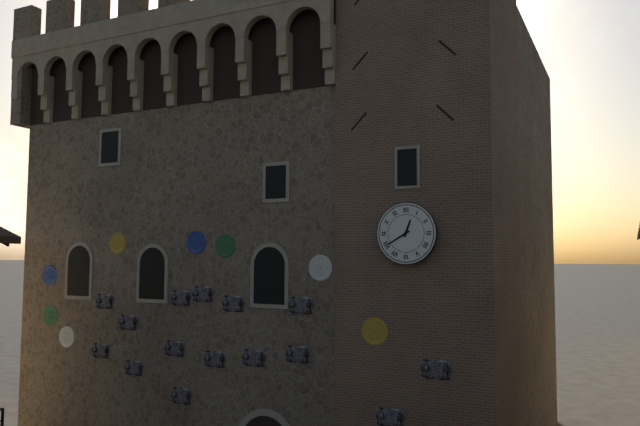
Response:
{"hour": 12, "minute": 40}
